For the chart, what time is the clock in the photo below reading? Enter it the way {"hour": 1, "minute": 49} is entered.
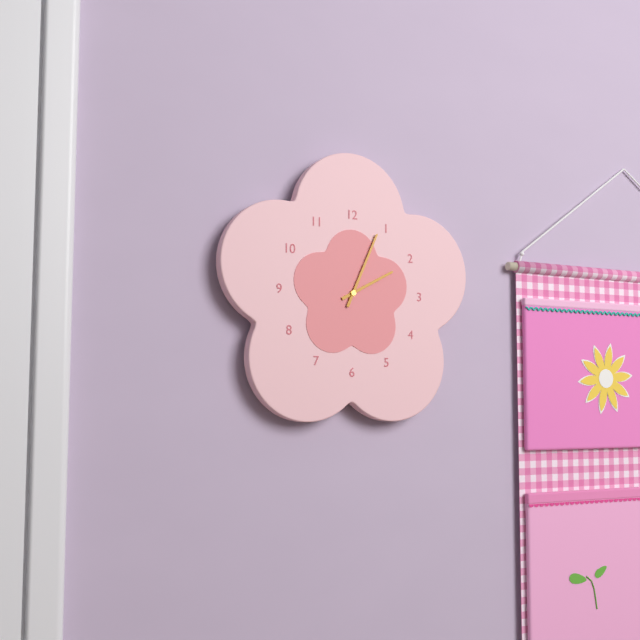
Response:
{"hour": 2, "minute": 4}
